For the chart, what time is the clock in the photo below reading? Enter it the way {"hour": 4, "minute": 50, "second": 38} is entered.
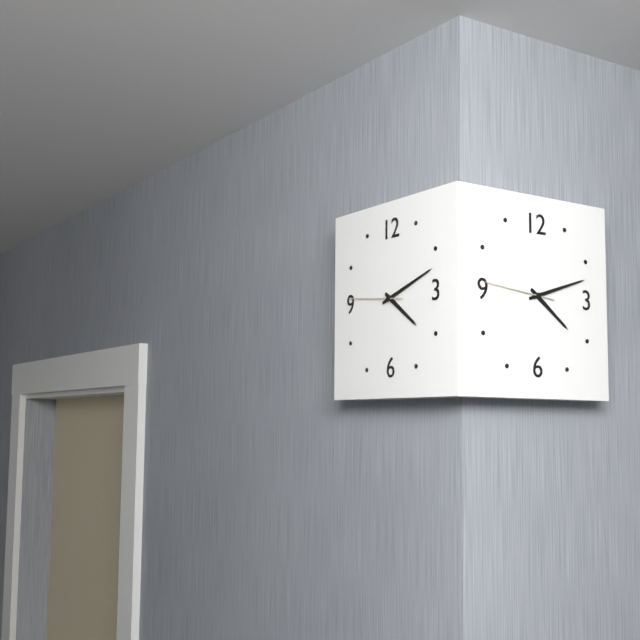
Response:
{"hour": 4, "minute": 12, "second": 46}
